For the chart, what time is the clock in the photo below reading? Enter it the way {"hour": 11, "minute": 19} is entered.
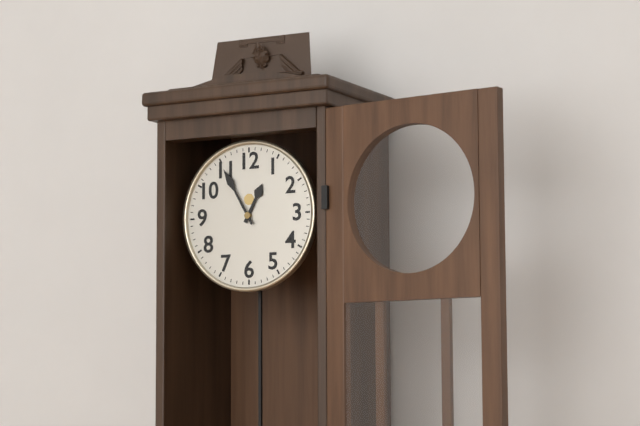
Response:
{"hour": 12, "minute": 55}
